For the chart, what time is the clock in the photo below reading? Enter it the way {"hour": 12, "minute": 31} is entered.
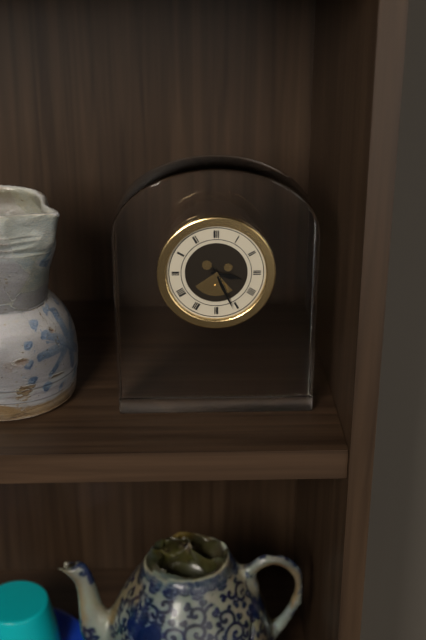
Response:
{"hour": 3, "minute": 26}
